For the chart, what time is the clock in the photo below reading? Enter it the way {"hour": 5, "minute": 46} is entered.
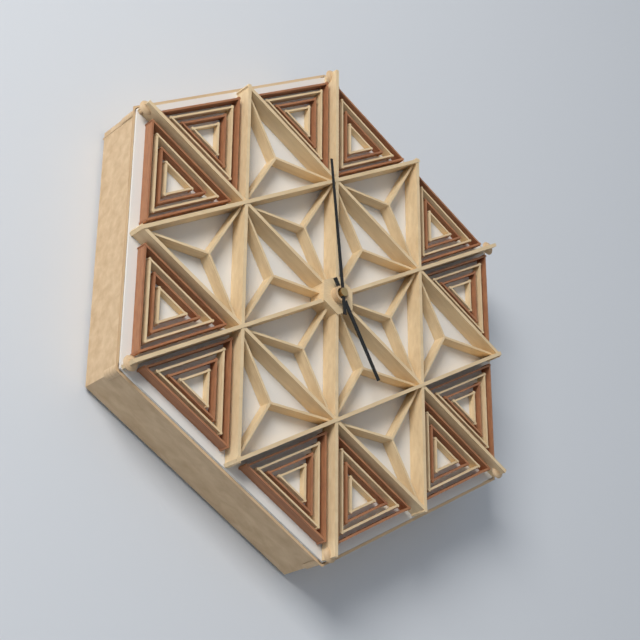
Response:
{"hour": 4, "minute": 59}
